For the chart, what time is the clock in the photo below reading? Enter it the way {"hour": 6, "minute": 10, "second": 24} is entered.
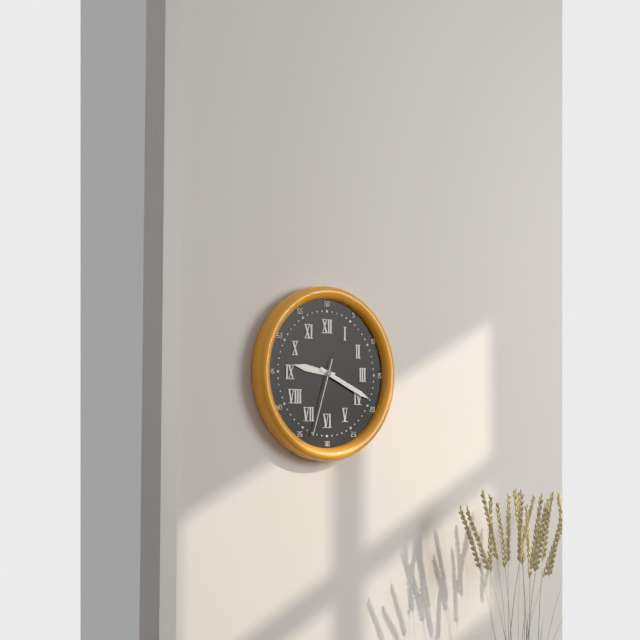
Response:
{"hour": 9, "minute": 19, "second": 33}
